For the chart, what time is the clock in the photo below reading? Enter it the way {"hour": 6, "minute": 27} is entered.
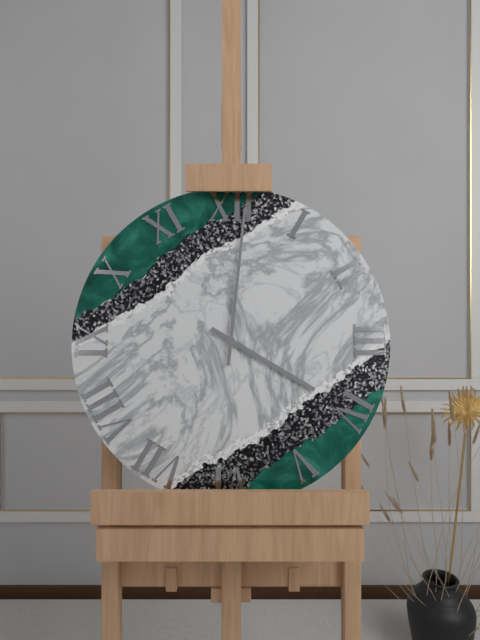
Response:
{"hour": 4, "minute": 1}
